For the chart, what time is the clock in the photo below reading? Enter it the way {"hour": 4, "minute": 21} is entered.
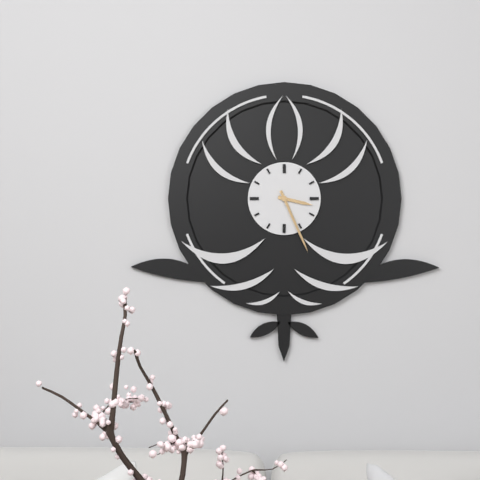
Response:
{"hour": 3, "minute": 26}
